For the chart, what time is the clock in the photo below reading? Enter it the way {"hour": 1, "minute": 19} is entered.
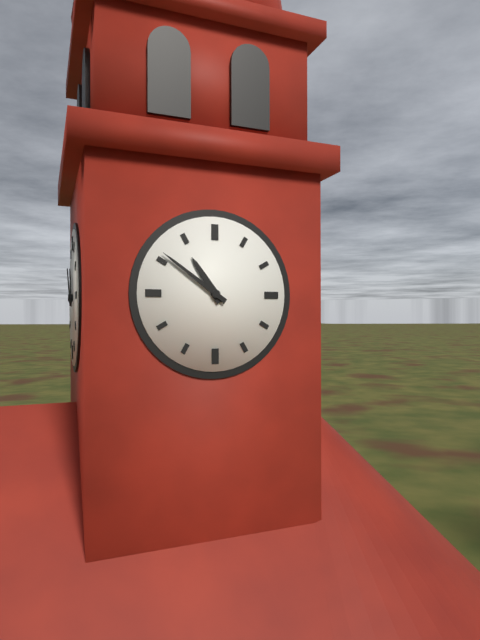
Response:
{"hour": 10, "minute": 51}
